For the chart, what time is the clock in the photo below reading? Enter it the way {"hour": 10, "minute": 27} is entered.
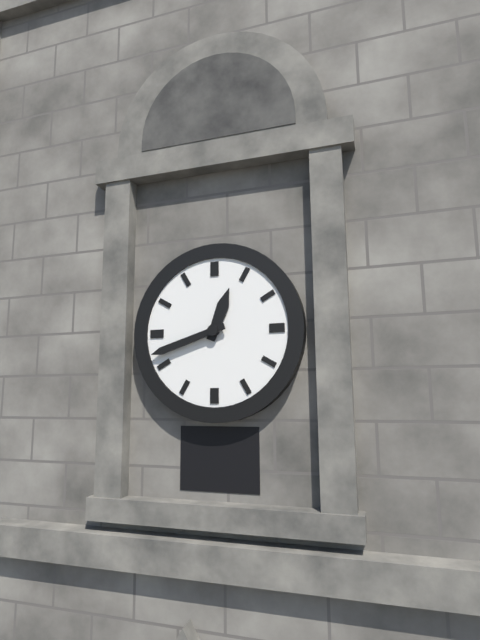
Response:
{"hour": 12, "minute": 42}
